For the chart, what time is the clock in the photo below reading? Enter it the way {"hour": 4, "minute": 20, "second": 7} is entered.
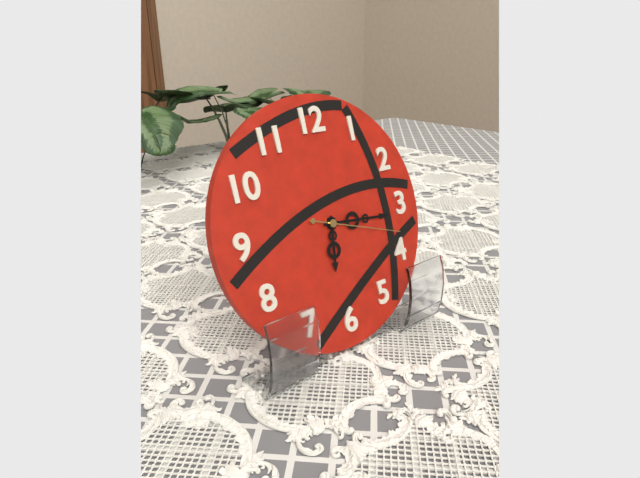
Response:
{"hour": 6, "minute": 16, "second": 18}
